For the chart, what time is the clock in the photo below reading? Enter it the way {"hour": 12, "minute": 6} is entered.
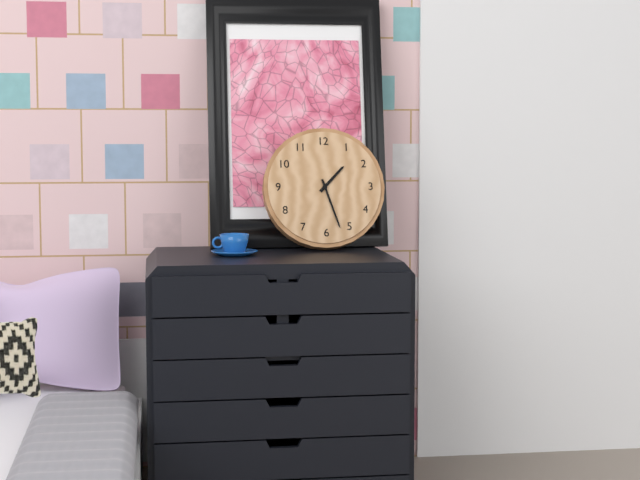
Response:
{"hour": 1, "minute": 27}
